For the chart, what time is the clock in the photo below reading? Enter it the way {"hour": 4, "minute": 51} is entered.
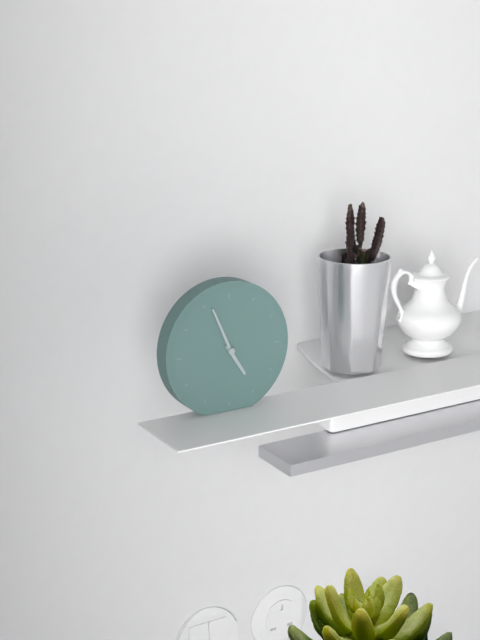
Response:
{"hour": 4, "minute": 56}
